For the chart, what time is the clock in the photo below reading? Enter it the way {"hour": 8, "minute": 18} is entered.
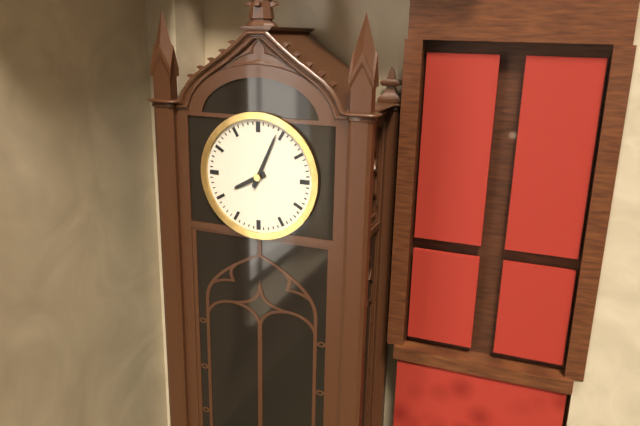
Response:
{"hour": 8, "minute": 4}
